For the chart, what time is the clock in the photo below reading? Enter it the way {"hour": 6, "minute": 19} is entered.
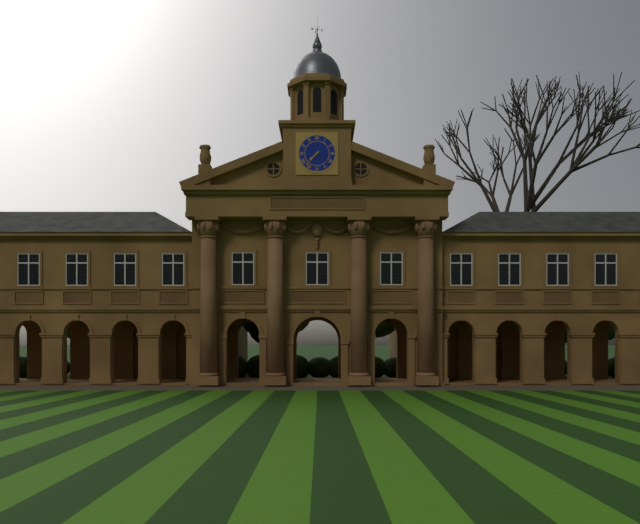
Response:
{"hour": 7, "minute": 37}
